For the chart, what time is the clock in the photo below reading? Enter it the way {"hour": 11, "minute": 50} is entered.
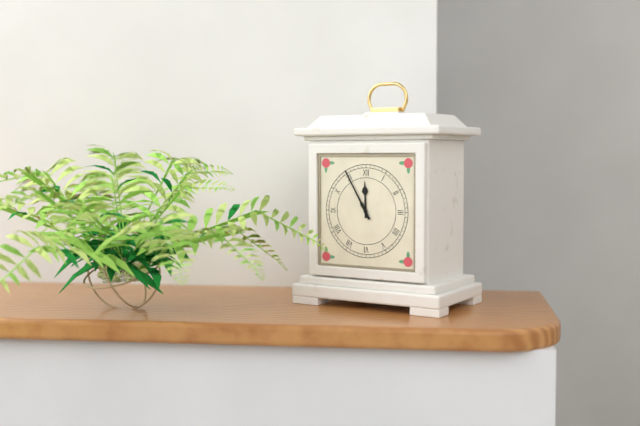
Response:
{"hour": 11, "minute": 55}
